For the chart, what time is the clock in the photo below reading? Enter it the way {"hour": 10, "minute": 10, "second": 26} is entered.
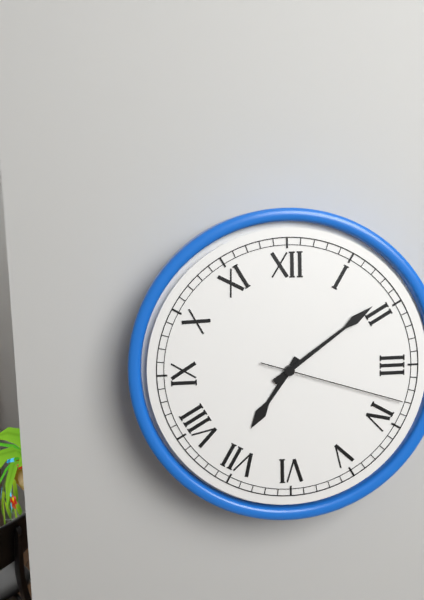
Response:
{"hour": 7, "minute": 9, "second": 18}
